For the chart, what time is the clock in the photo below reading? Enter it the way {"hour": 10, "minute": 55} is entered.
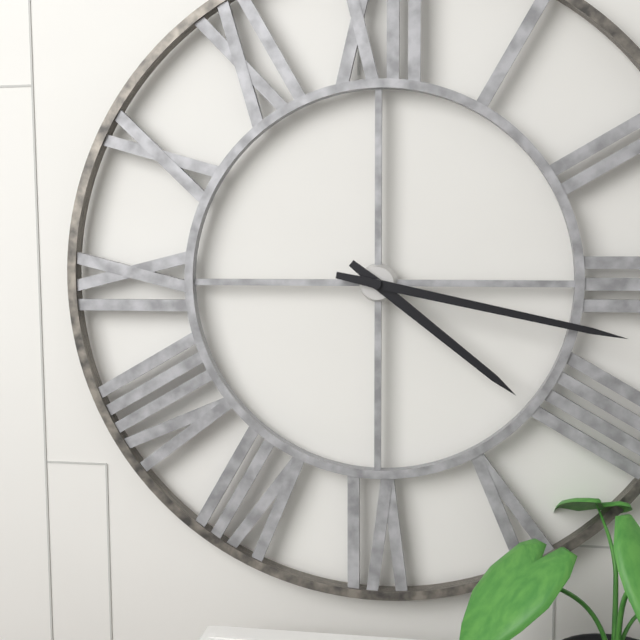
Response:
{"hour": 4, "minute": 17}
